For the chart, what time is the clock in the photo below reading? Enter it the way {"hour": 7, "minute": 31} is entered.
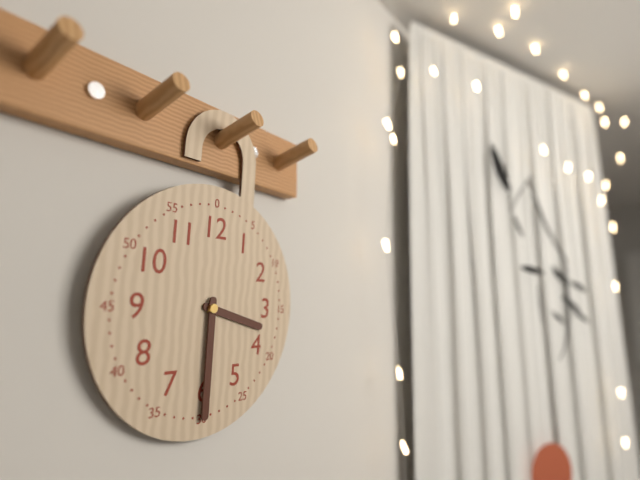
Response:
{"hour": 3, "minute": 30}
